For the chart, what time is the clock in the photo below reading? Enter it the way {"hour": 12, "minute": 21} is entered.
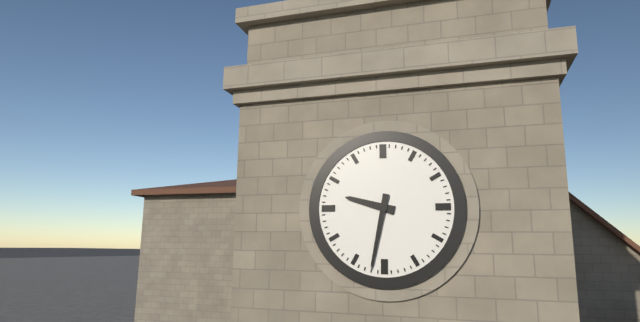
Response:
{"hour": 9, "minute": 32}
